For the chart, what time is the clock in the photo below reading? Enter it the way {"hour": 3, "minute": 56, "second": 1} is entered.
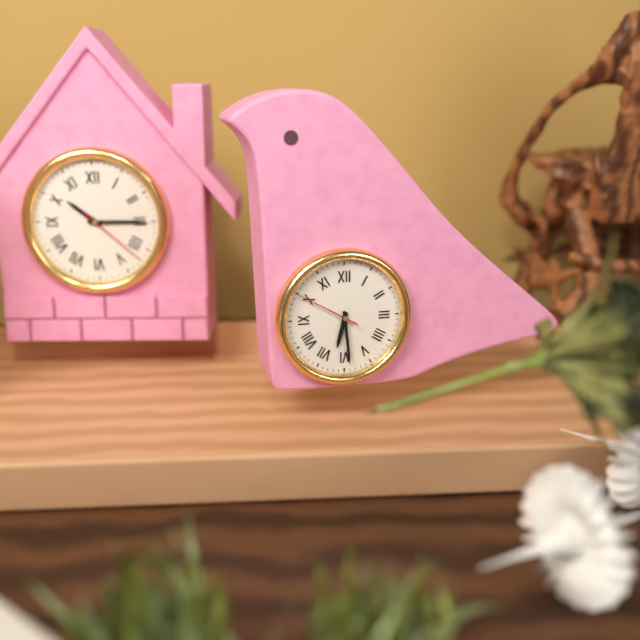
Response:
{"hour": 6, "minute": 29, "second": 50}
